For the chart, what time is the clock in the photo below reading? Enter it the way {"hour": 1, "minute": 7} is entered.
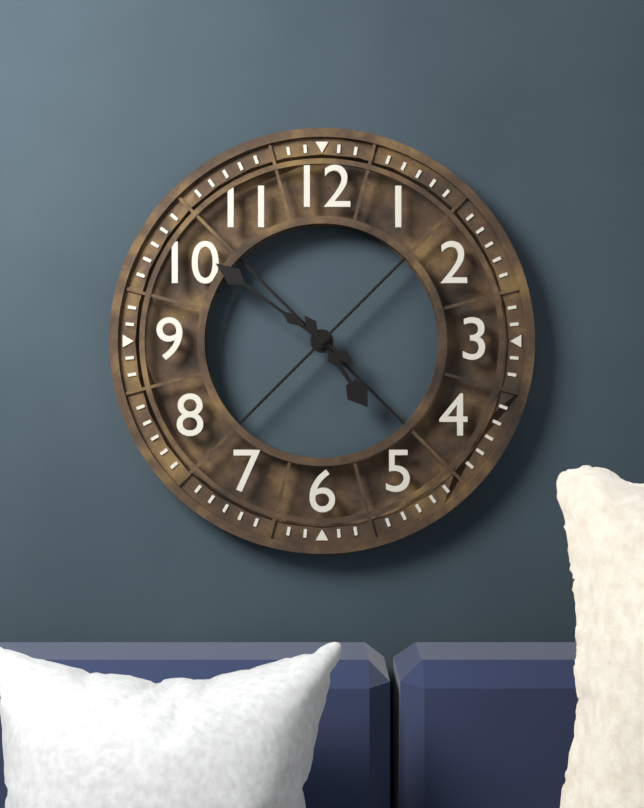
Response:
{"hour": 4, "minute": 51}
